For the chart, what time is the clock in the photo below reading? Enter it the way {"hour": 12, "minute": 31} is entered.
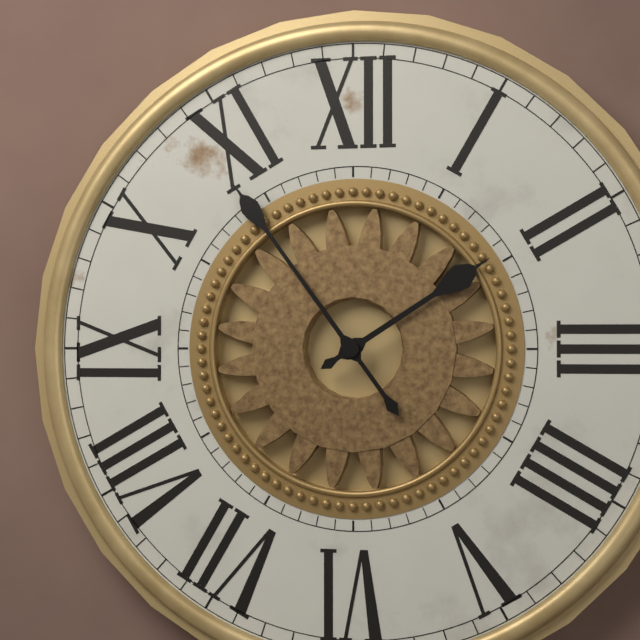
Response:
{"hour": 1, "minute": 54}
